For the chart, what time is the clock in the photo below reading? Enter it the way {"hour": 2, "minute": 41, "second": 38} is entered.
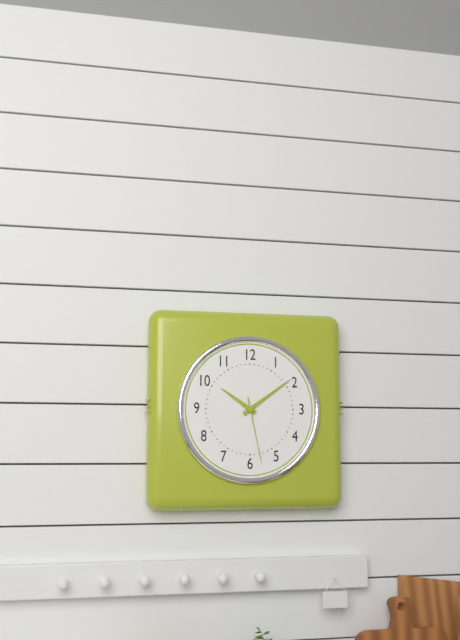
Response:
{"hour": 10, "minute": 9, "second": 28}
